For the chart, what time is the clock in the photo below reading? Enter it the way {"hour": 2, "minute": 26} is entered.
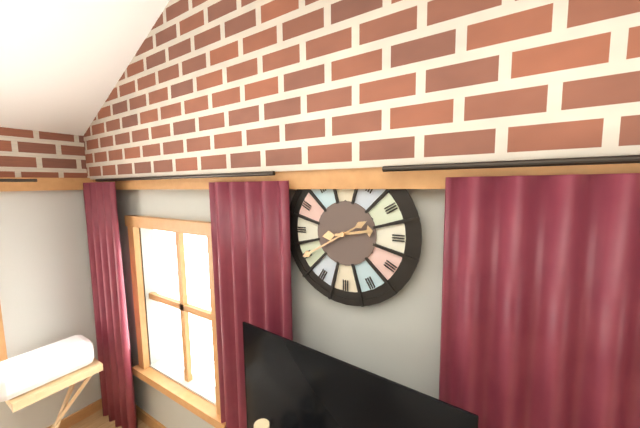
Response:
{"hour": 2, "minute": 40}
